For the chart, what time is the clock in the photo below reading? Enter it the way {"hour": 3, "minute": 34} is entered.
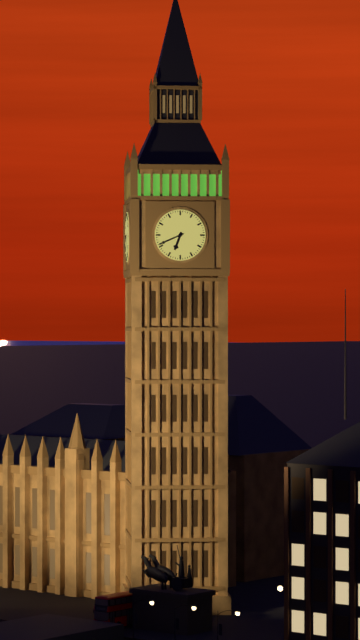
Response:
{"hour": 6, "minute": 41}
